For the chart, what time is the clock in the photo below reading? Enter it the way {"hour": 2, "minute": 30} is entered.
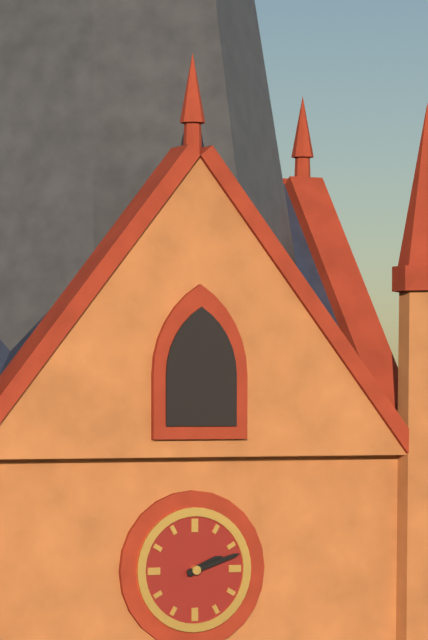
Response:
{"hour": 2, "minute": 12}
